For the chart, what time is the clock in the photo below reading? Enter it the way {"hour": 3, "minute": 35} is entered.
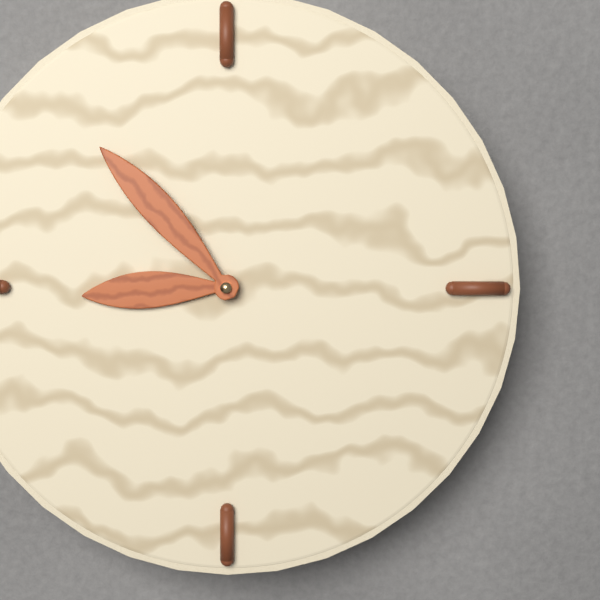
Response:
{"hour": 8, "minute": 53}
